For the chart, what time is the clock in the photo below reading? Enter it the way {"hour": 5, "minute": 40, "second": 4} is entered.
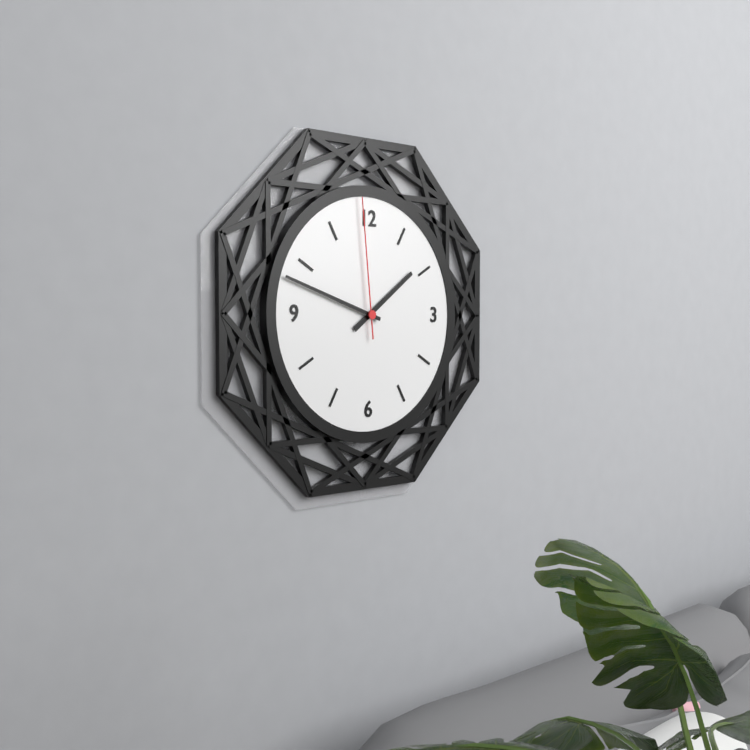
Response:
{"hour": 1, "minute": 48, "second": 59}
